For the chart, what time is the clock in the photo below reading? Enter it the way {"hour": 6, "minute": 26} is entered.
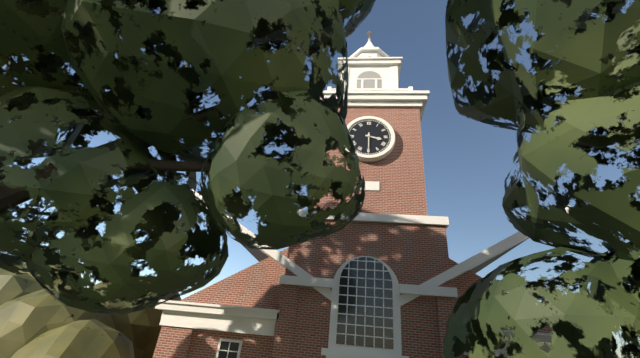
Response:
{"hour": 3, "minute": 30}
